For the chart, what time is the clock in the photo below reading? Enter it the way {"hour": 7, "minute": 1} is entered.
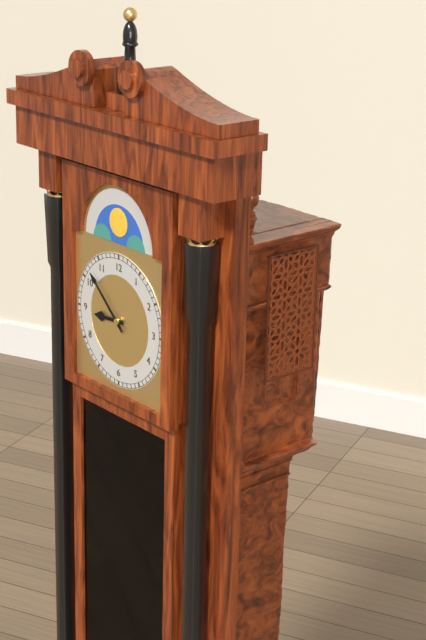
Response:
{"hour": 8, "minute": 52}
